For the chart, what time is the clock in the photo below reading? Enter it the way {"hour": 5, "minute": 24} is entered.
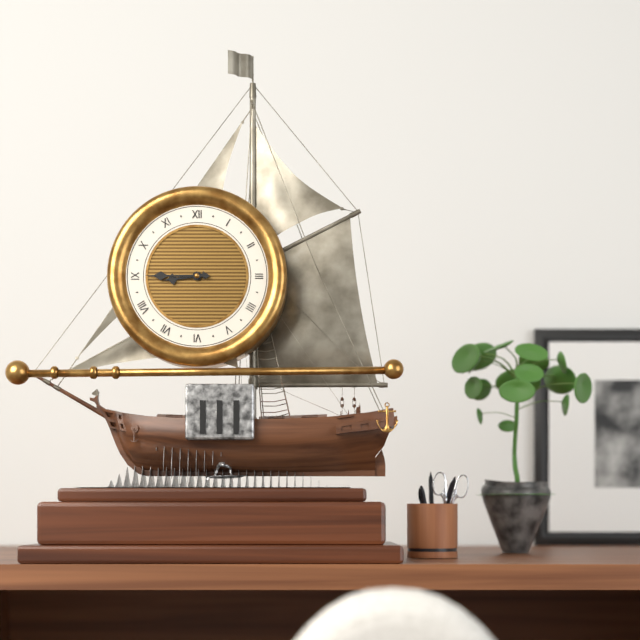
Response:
{"hour": 8, "minute": 45}
